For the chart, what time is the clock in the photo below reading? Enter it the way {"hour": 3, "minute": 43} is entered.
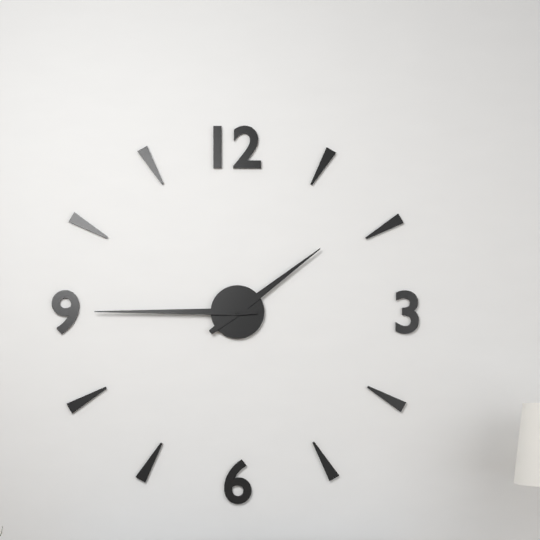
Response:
{"hour": 1, "minute": 45}
